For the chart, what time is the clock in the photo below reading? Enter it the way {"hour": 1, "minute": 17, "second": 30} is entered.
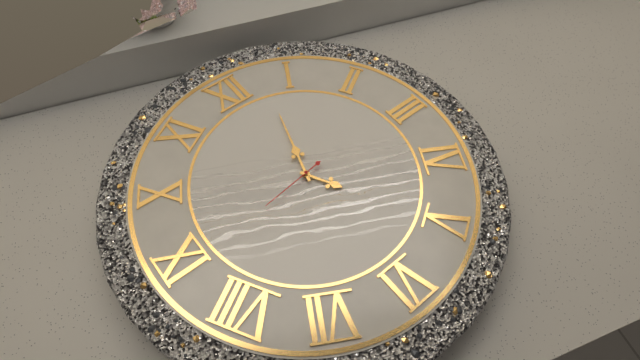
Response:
{"hour": 5, "minute": 3, "second": 44}
